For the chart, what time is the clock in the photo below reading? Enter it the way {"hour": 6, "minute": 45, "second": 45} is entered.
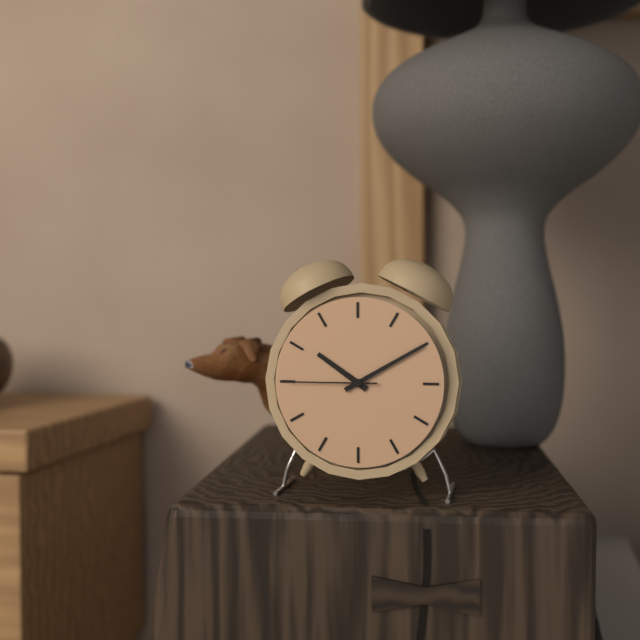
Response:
{"hour": 10, "minute": 10, "second": 45}
